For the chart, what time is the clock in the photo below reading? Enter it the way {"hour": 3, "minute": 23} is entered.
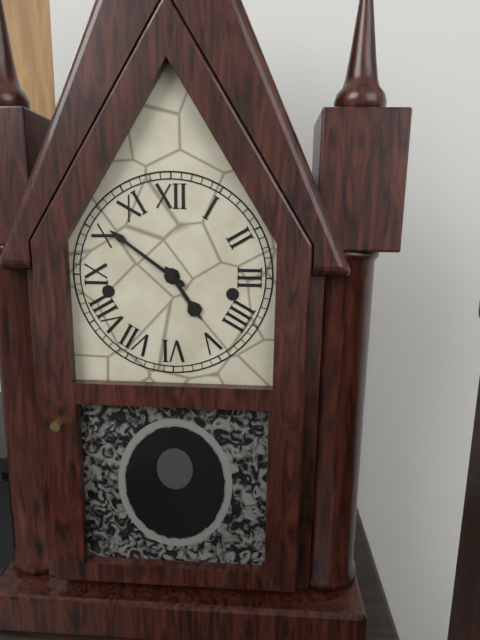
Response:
{"hour": 4, "minute": 51}
